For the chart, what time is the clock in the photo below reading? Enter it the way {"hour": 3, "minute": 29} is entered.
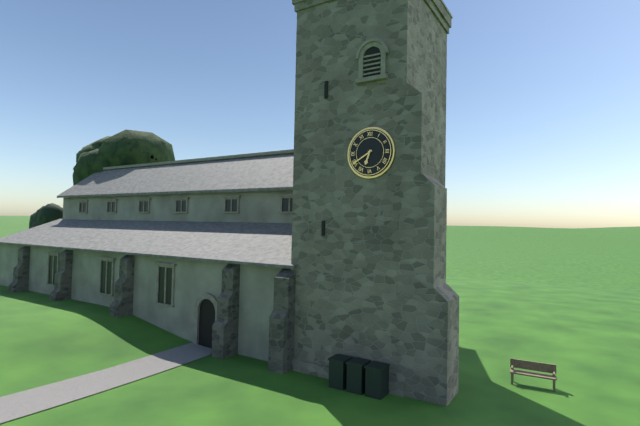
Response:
{"hour": 6, "minute": 40}
